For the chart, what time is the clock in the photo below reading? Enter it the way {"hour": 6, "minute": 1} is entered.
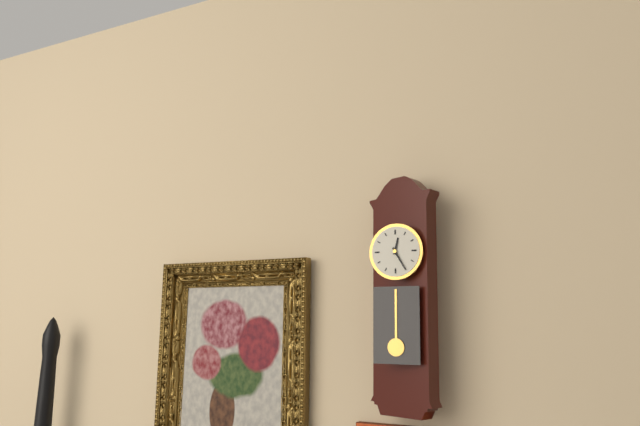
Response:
{"hour": 12, "minute": 25}
